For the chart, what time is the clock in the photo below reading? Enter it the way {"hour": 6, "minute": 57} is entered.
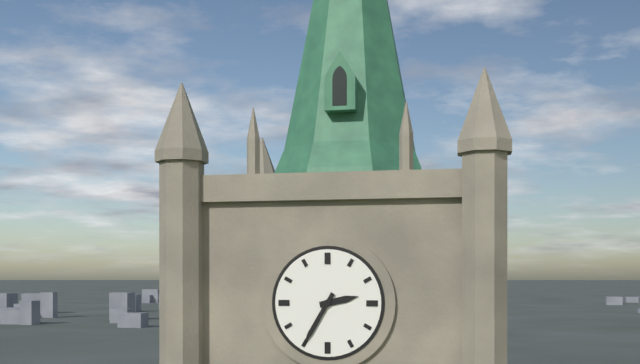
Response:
{"hour": 2, "minute": 35}
